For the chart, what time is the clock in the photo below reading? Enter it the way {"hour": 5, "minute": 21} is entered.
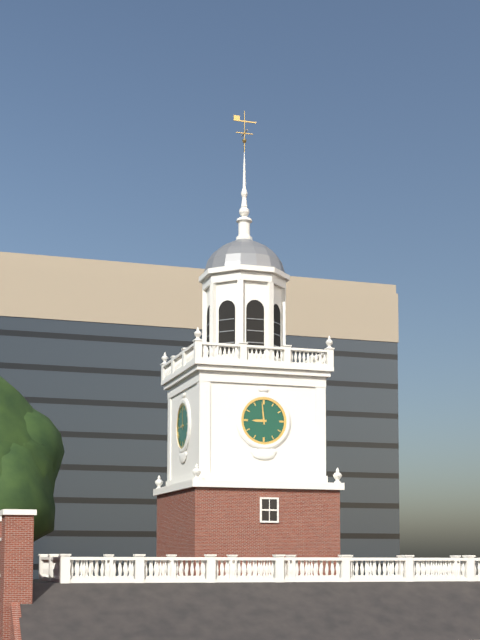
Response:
{"hour": 8, "minute": 59}
